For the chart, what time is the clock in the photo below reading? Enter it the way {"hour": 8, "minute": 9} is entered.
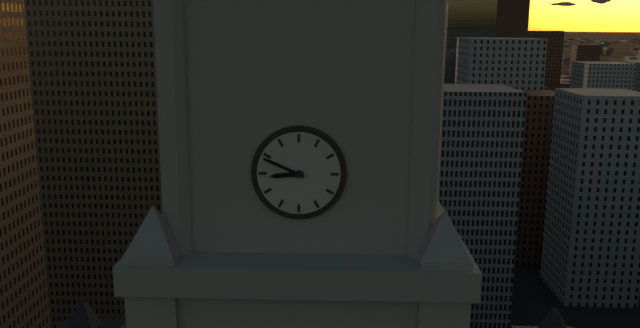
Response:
{"hour": 8, "minute": 49}
